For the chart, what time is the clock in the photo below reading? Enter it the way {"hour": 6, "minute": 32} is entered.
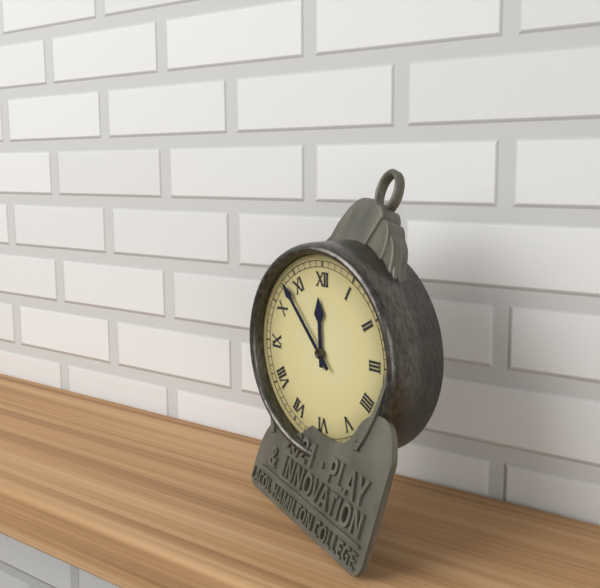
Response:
{"hour": 11, "minute": 53}
